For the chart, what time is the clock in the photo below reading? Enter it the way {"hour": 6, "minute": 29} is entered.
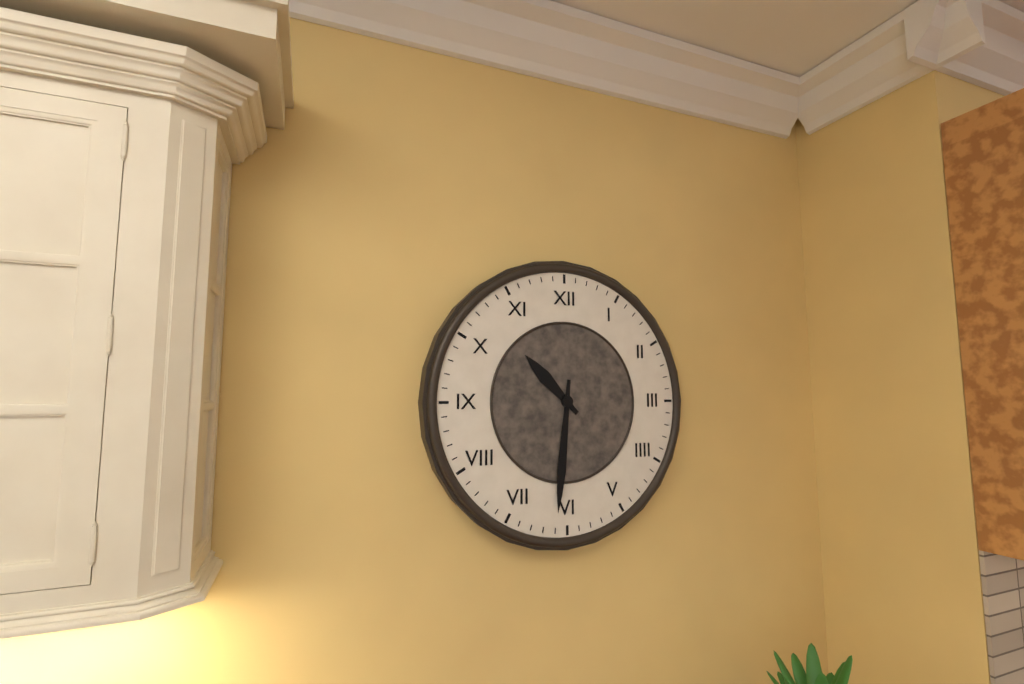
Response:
{"hour": 10, "minute": 31}
